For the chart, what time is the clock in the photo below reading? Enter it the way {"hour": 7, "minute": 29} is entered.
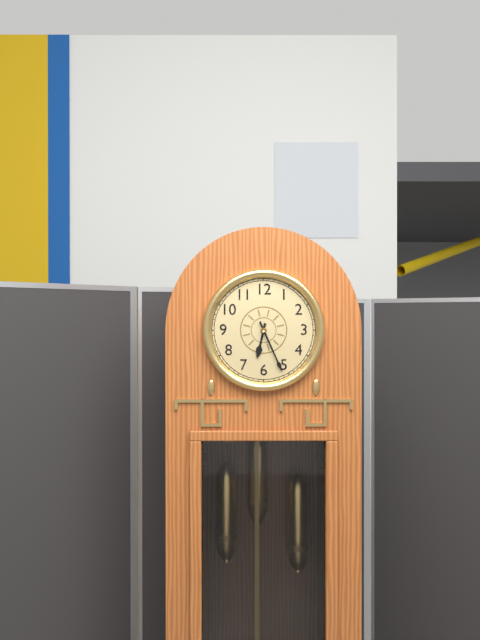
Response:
{"hour": 6, "minute": 26}
